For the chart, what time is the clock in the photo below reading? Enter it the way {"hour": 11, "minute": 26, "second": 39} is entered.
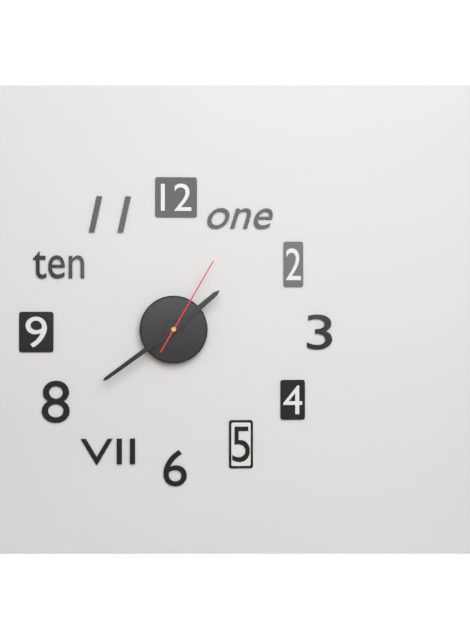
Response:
{"hour": 1, "minute": 39, "second": 5}
